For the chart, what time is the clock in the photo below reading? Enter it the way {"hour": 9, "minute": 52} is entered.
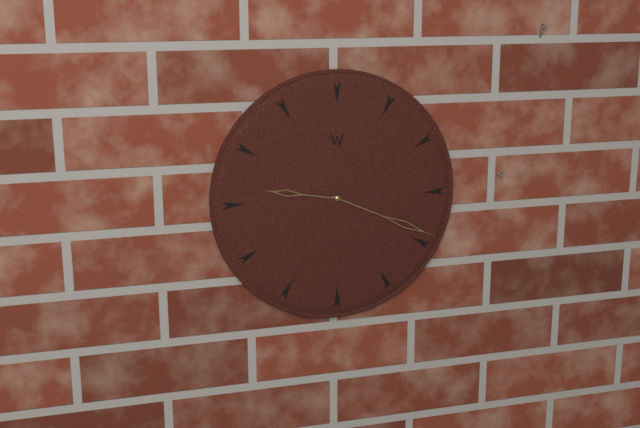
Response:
{"hour": 9, "minute": 19}
